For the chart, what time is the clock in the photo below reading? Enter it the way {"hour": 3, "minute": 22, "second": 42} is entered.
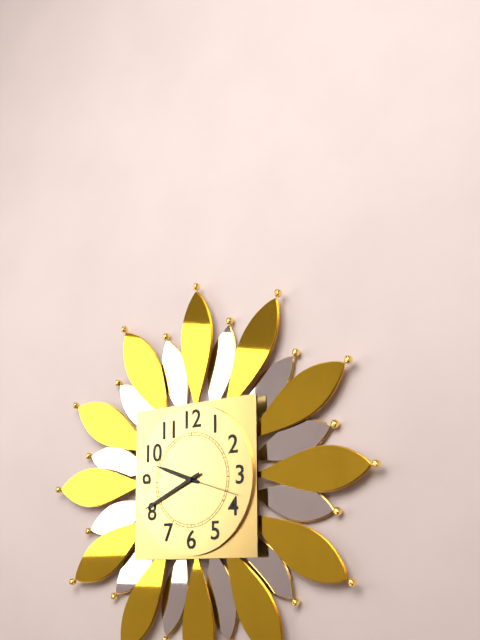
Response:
{"hour": 9, "minute": 41, "second": 18}
